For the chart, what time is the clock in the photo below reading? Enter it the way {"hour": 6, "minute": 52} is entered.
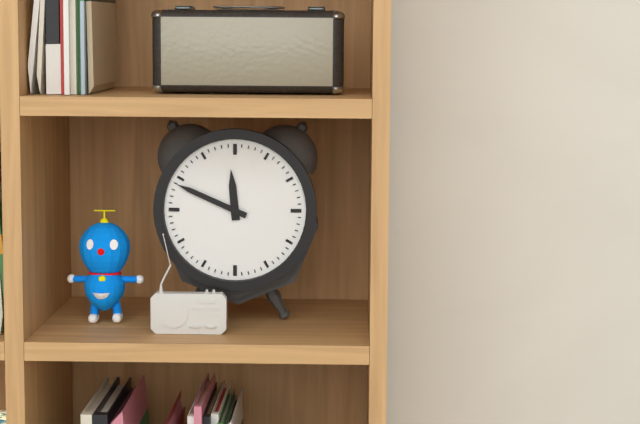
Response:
{"hour": 11, "minute": 49}
